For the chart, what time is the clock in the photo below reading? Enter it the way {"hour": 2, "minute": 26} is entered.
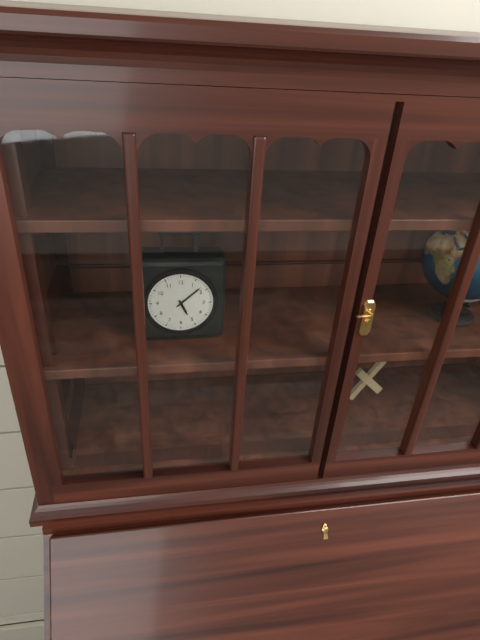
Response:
{"hour": 5, "minute": 8}
